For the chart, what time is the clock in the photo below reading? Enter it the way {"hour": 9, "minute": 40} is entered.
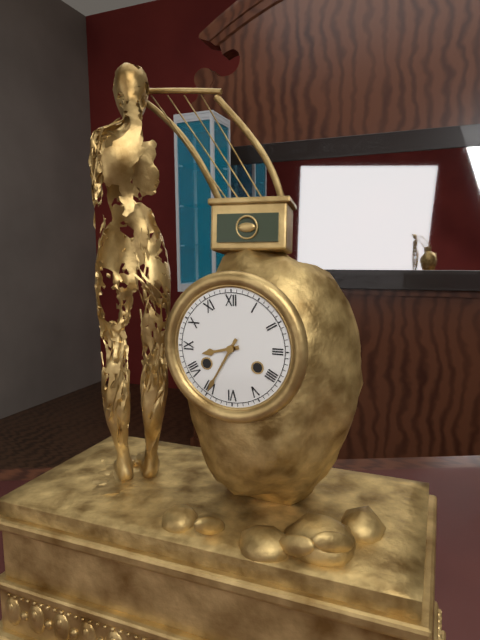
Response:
{"hour": 8, "minute": 35}
